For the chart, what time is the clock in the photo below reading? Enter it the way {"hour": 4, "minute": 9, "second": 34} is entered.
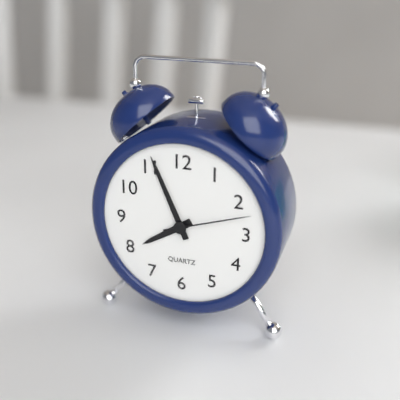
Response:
{"hour": 7, "minute": 56, "second": 12}
